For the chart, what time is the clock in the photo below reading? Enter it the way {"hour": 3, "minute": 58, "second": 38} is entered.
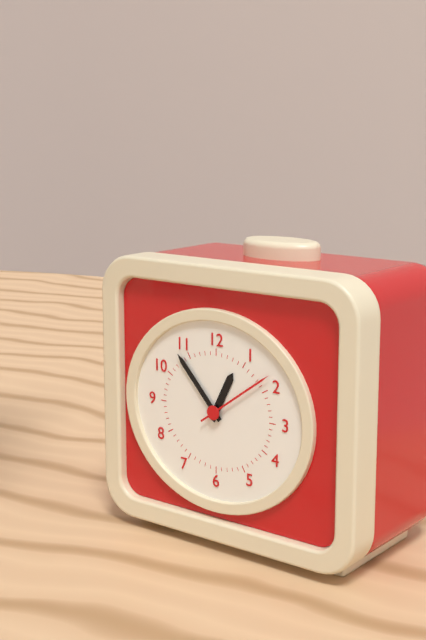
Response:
{"hour": 12, "minute": 53, "second": 9}
